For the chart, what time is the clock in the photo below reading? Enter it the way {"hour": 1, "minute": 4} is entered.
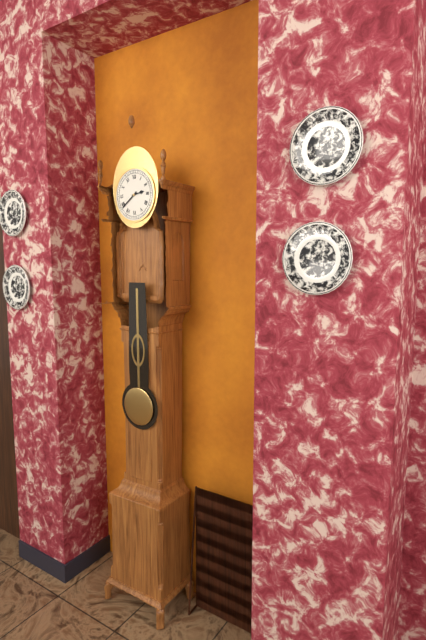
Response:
{"hour": 2, "minute": 39}
